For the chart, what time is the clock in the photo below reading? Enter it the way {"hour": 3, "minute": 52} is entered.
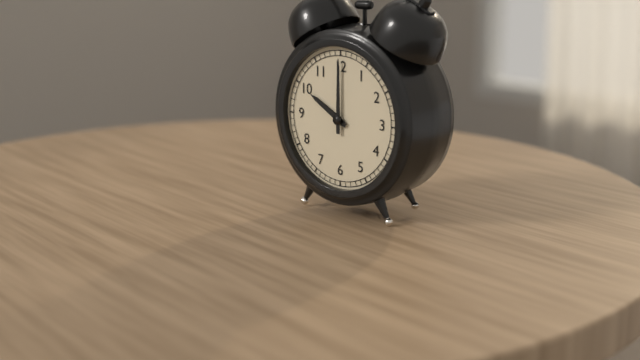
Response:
{"hour": 10, "minute": 0}
